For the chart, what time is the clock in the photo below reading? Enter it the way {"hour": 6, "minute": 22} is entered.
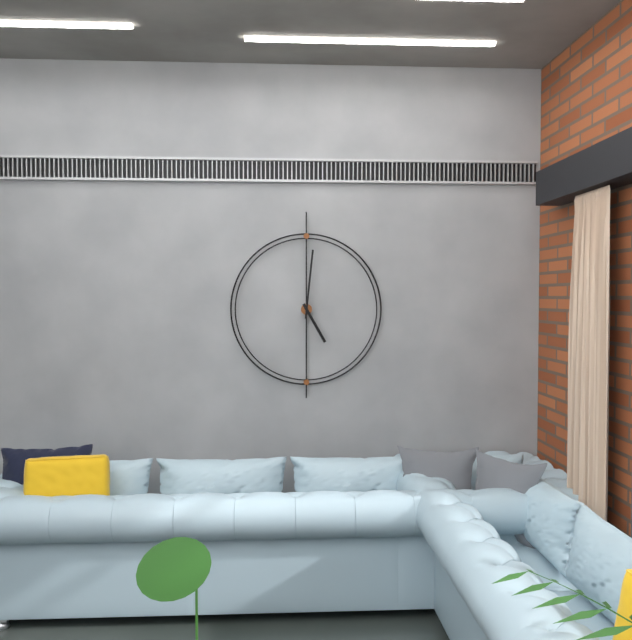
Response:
{"hour": 5, "minute": 1}
